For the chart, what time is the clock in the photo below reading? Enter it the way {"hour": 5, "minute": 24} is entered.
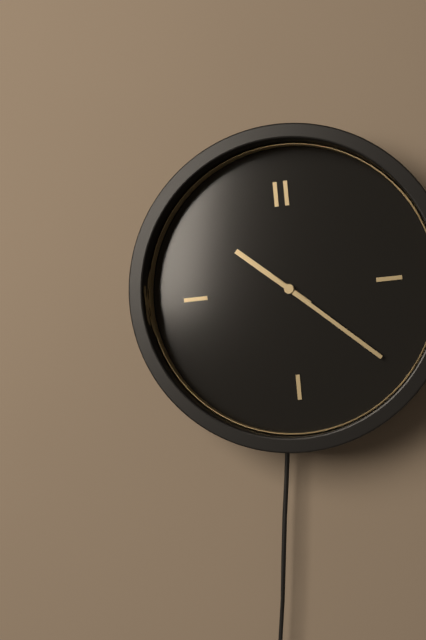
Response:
{"hour": 10, "minute": 22}
